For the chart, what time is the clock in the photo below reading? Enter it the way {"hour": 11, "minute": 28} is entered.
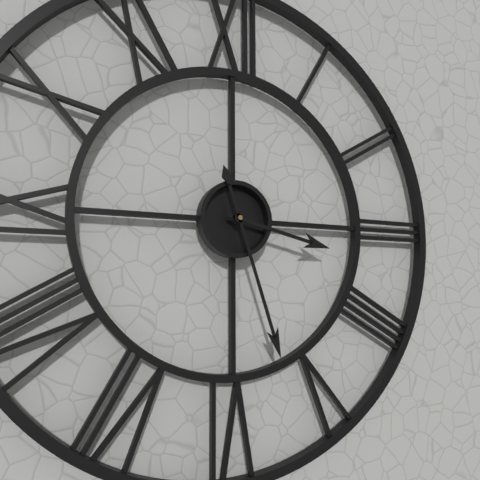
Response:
{"hour": 3, "minute": 27}
